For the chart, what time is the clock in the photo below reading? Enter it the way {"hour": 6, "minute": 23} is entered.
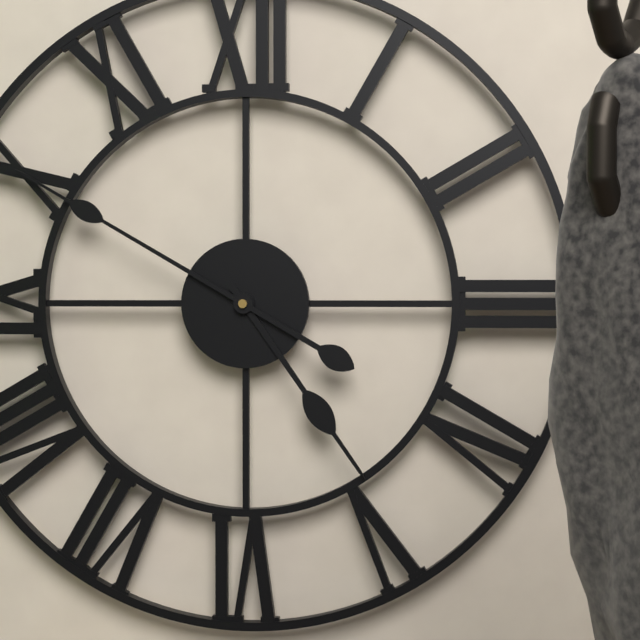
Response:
{"hour": 4, "minute": 50}
